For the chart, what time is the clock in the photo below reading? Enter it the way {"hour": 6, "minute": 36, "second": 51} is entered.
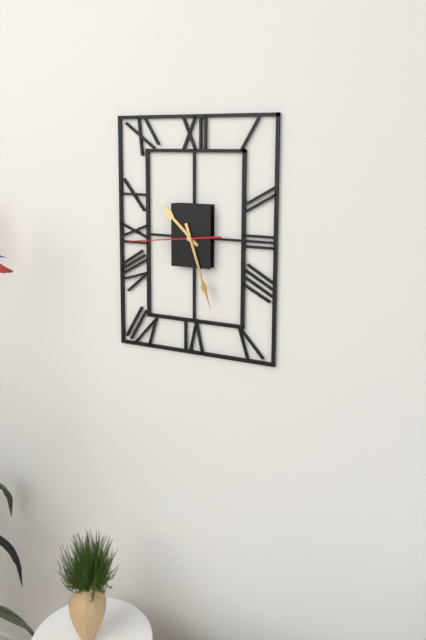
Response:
{"hour": 10, "minute": 27, "second": 44}
